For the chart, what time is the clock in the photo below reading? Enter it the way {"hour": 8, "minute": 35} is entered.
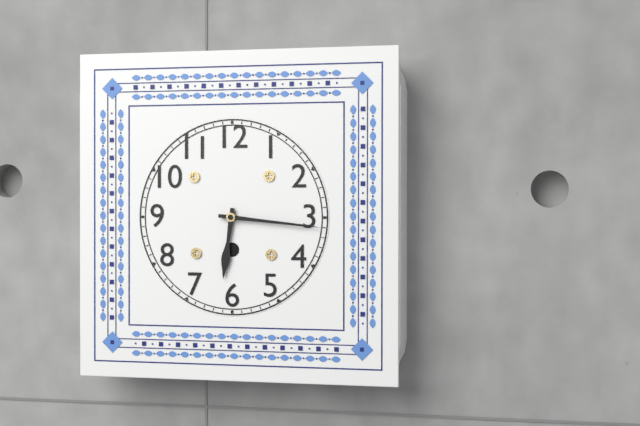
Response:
{"hour": 6, "minute": 16}
